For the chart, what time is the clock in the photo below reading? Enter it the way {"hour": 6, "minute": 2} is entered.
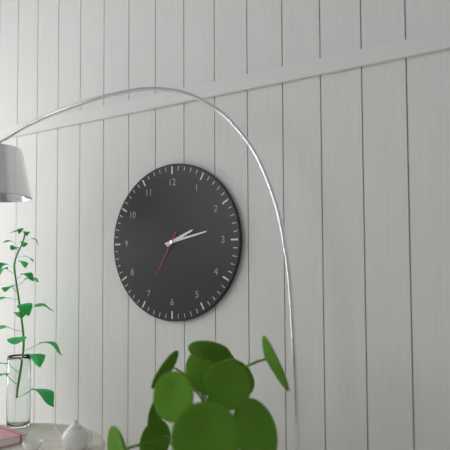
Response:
{"hour": 2, "minute": 13}
